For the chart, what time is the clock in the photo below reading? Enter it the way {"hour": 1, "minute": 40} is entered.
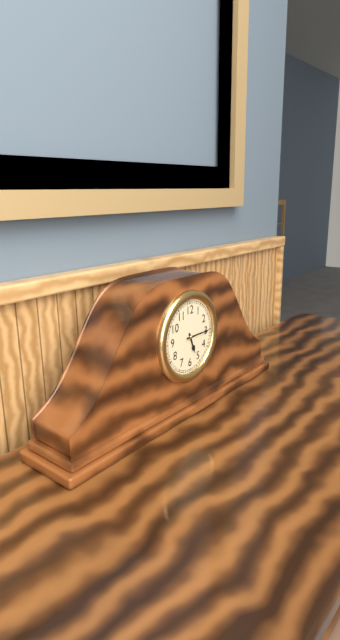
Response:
{"hour": 5, "minute": 15}
